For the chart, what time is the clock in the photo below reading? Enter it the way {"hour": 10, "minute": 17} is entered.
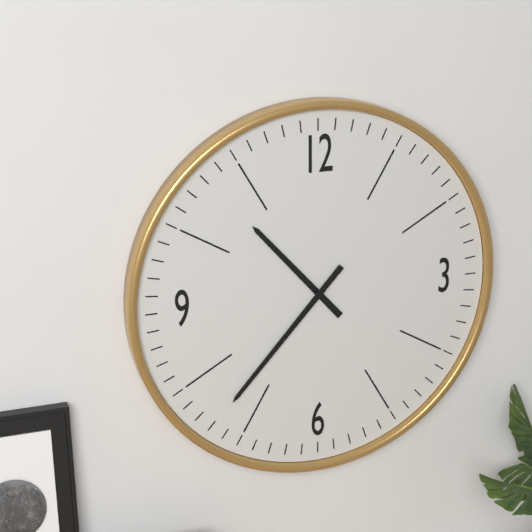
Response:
{"hour": 10, "minute": 37}
